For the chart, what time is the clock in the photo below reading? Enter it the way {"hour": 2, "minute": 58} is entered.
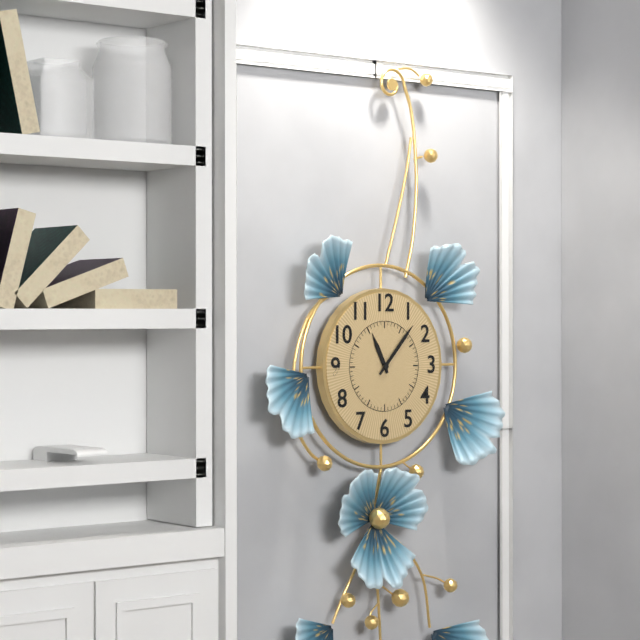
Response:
{"hour": 11, "minute": 7}
